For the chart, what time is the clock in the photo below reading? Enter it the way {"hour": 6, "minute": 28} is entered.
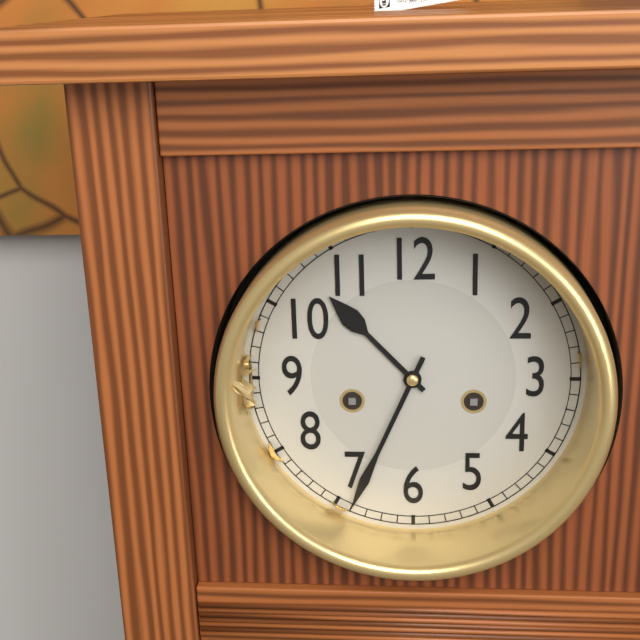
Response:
{"hour": 10, "minute": 34}
